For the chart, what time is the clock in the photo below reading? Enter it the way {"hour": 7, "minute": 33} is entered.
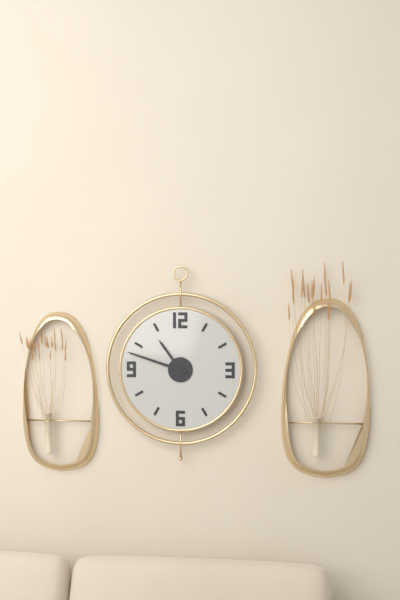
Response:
{"hour": 10, "minute": 48}
